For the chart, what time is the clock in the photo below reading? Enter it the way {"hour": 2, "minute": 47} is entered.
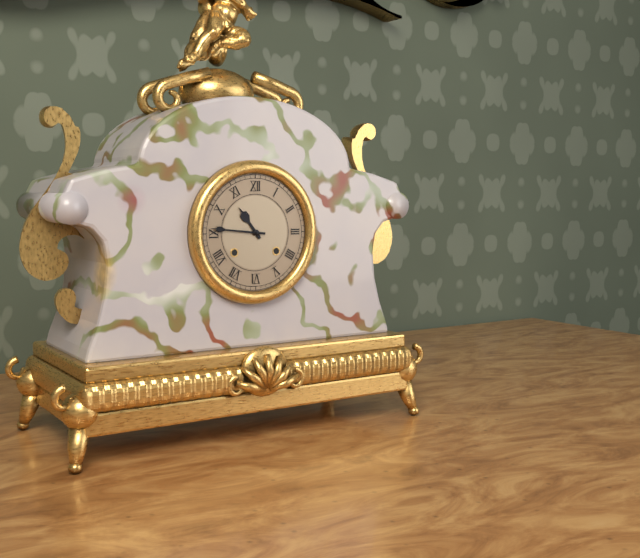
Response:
{"hour": 10, "minute": 46}
